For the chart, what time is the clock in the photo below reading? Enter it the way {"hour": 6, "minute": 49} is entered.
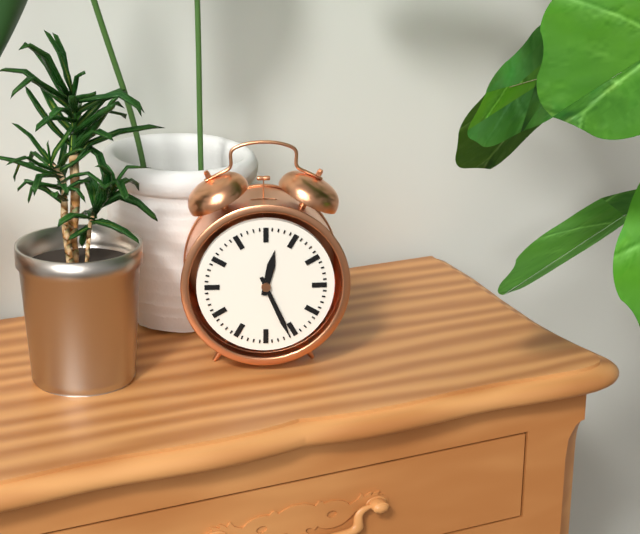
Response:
{"hour": 12, "minute": 26}
